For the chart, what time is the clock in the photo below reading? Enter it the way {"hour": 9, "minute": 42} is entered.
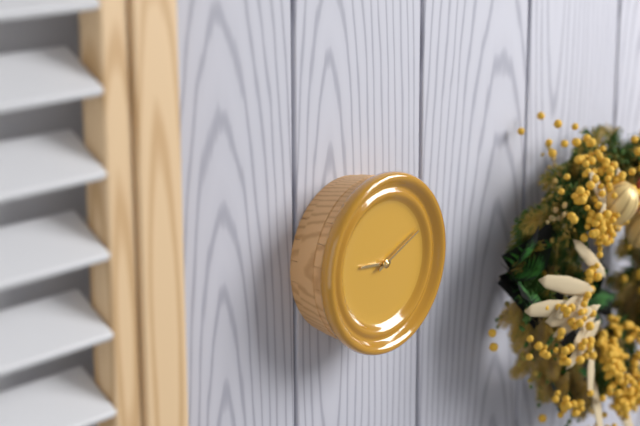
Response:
{"hour": 9, "minute": 11}
